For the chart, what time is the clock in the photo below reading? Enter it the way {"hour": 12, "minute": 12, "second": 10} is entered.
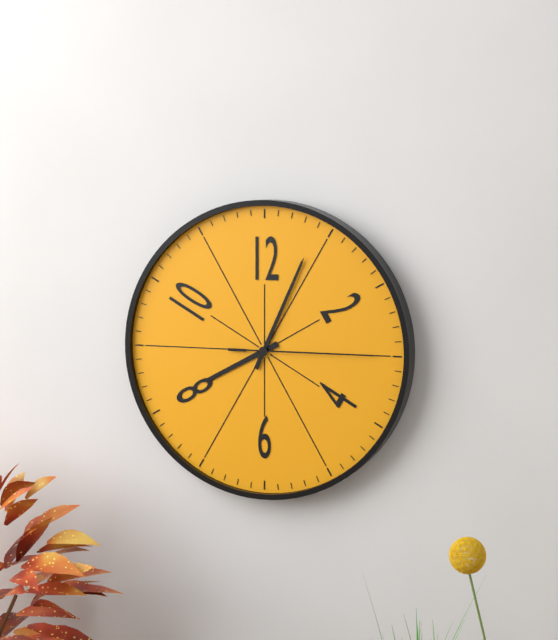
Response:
{"hour": 8, "minute": 4, "second": 15}
